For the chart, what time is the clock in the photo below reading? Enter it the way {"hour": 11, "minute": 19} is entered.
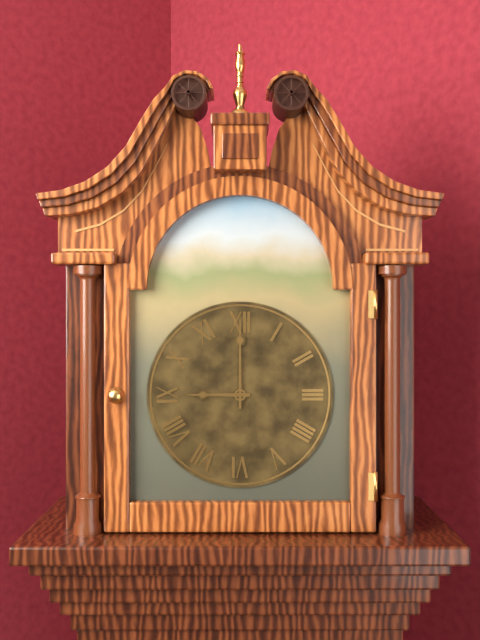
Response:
{"hour": 9, "minute": 0}
